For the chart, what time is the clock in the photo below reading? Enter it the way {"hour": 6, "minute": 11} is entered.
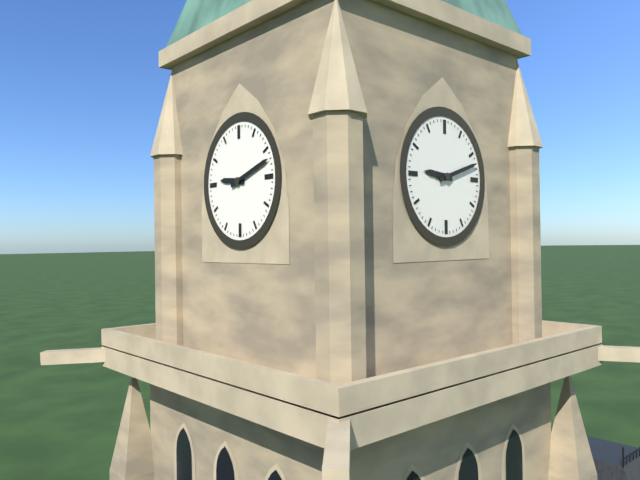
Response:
{"hour": 9, "minute": 12}
